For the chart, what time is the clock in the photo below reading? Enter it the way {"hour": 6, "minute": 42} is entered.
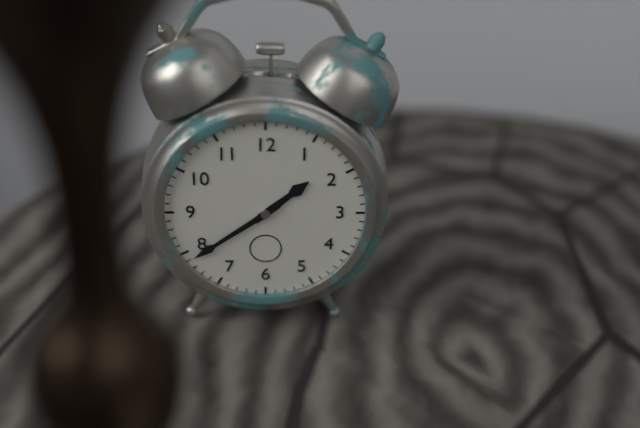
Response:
{"hour": 1, "minute": 39}
